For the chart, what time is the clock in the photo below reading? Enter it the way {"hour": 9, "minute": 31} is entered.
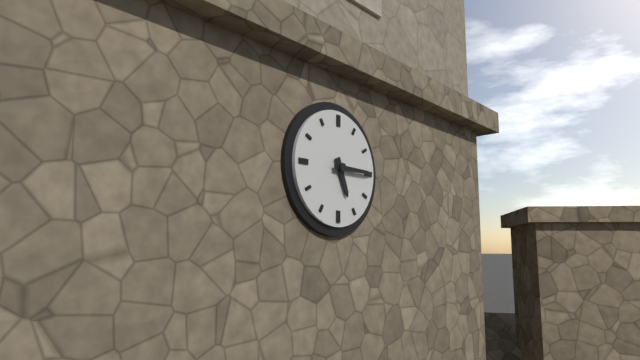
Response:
{"hour": 5, "minute": 15}
